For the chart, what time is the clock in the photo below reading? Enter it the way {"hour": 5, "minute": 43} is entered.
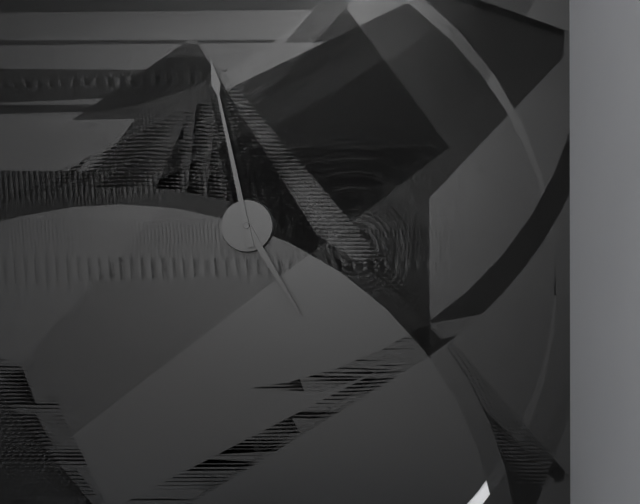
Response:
{"hour": 4, "minute": 58}
